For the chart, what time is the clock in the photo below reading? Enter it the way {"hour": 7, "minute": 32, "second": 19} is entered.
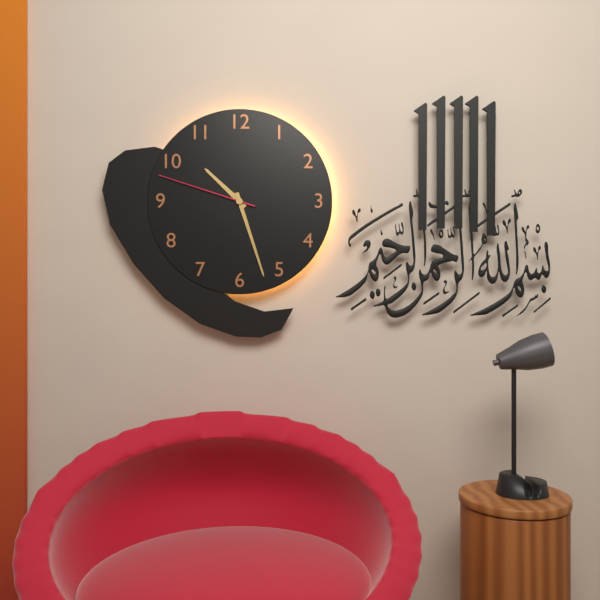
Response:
{"hour": 10, "minute": 27, "second": 48}
